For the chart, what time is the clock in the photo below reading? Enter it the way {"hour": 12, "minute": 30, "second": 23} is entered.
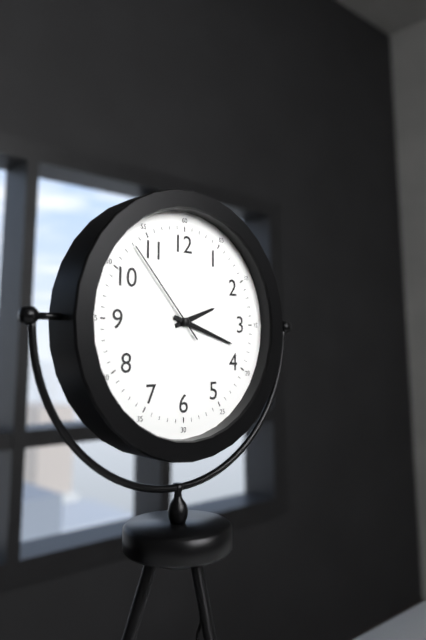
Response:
{"hour": 2, "minute": 18, "second": 53}
